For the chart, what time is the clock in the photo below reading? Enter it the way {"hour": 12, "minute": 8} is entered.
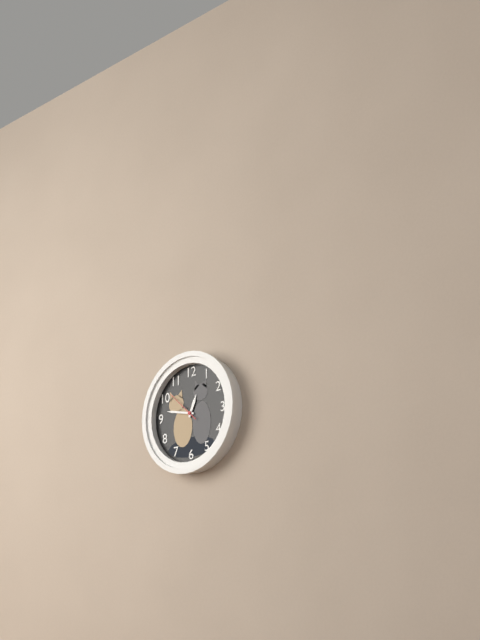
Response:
{"hour": 12, "minute": 47}
